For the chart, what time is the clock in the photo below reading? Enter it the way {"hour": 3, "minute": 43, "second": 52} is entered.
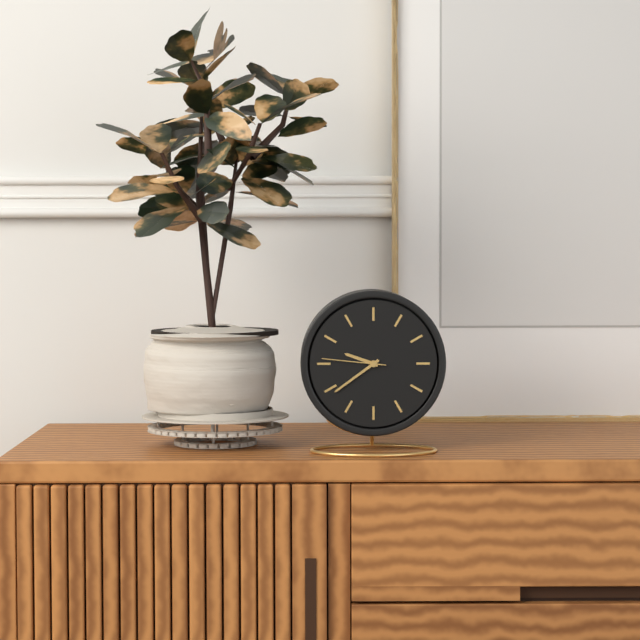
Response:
{"hour": 9, "minute": 39, "second": 46}
